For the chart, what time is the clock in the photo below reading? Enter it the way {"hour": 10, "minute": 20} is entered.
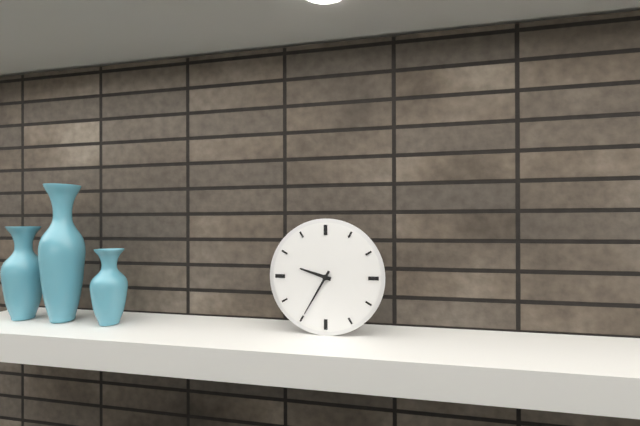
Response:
{"hour": 9, "minute": 35}
